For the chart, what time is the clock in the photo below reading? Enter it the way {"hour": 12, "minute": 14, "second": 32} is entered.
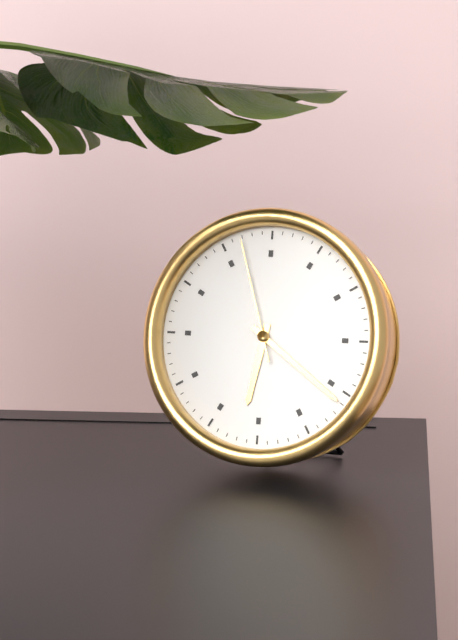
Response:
{"hour": 6, "minute": 21, "second": 57}
